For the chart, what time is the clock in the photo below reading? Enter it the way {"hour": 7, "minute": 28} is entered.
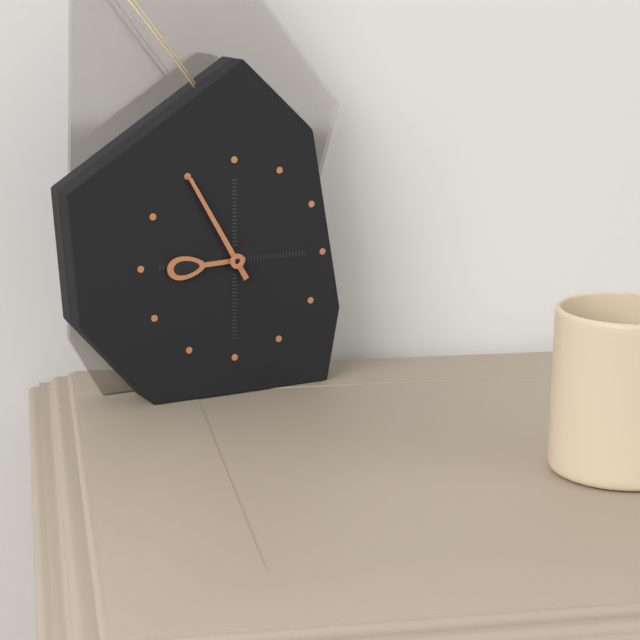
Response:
{"hour": 8, "minute": 55}
